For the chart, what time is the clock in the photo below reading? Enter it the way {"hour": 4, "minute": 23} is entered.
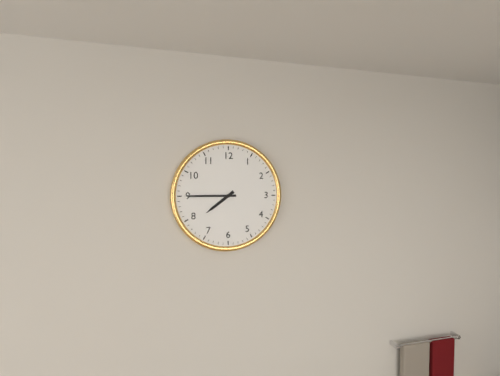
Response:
{"hour": 7, "minute": 45}
